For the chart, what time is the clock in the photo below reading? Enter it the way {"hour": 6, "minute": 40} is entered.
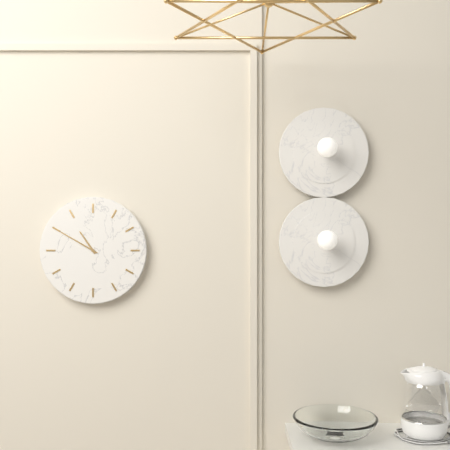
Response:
{"hour": 10, "minute": 50}
